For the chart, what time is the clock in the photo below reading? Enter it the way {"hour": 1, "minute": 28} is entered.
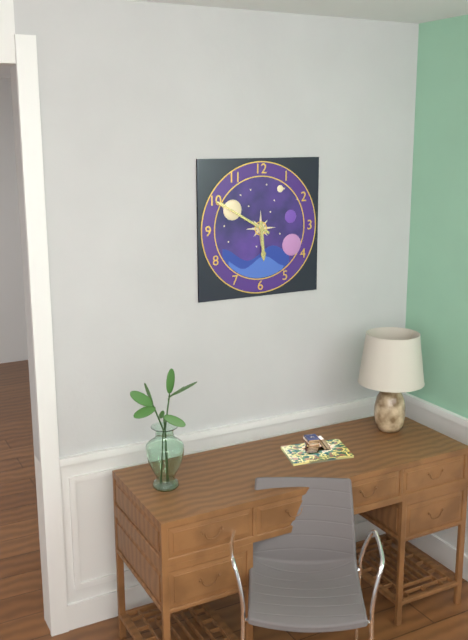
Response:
{"hour": 5, "minute": 50}
